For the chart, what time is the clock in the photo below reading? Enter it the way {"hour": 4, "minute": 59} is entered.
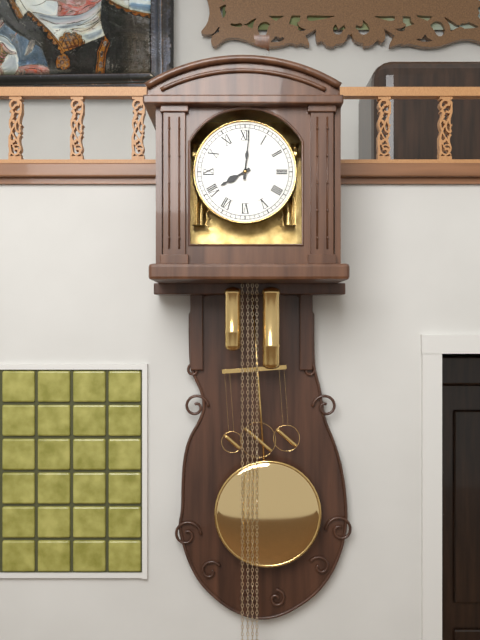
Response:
{"hour": 8, "minute": 1}
